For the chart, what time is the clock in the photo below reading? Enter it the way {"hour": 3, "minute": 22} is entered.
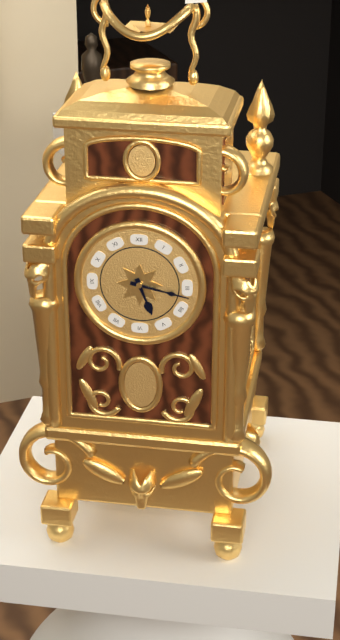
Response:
{"hour": 5, "minute": 17}
